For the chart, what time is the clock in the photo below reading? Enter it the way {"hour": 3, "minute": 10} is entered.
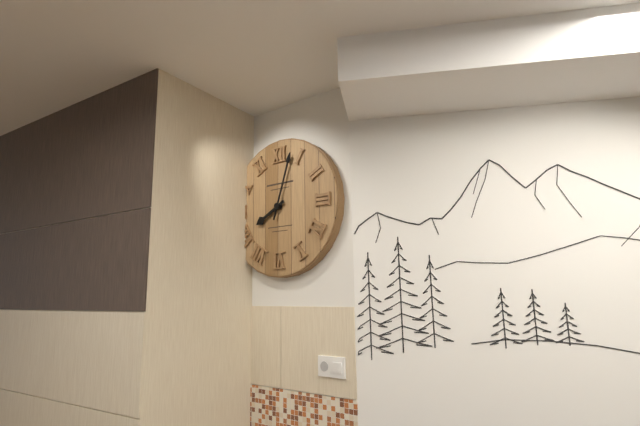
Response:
{"hour": 8, "minute": 3}
